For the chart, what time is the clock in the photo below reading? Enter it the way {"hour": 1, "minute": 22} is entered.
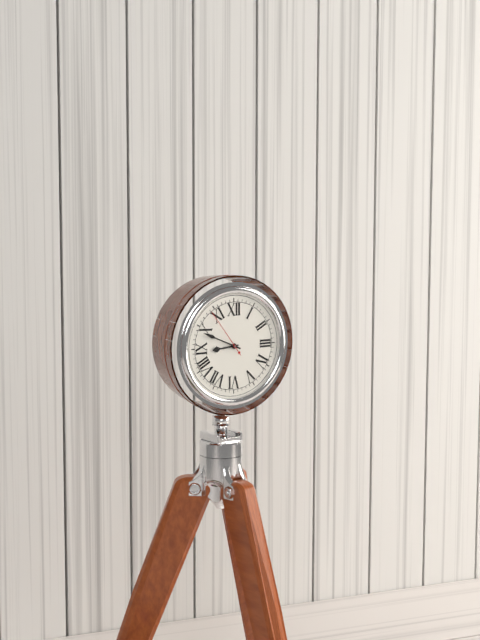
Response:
{"hour": 8, "minute": 49}
